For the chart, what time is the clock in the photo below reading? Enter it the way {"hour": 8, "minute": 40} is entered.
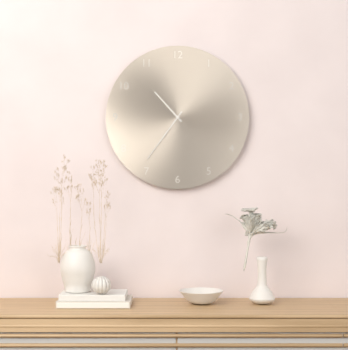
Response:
{"hour": 10, "minute": 36}
